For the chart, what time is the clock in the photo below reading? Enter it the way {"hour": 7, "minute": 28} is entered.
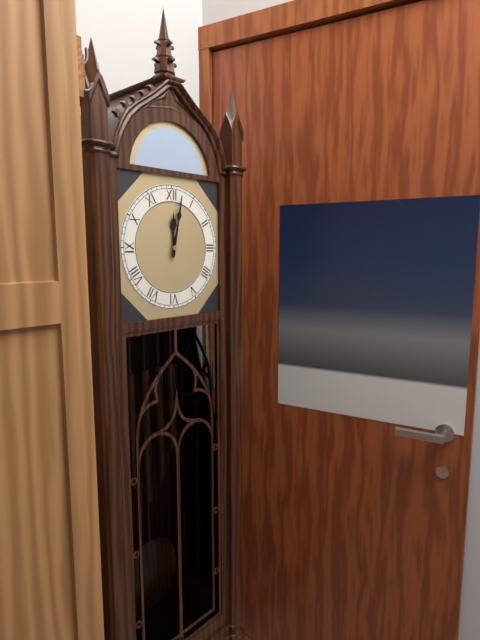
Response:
{"hour": 12, "minute": 2}
